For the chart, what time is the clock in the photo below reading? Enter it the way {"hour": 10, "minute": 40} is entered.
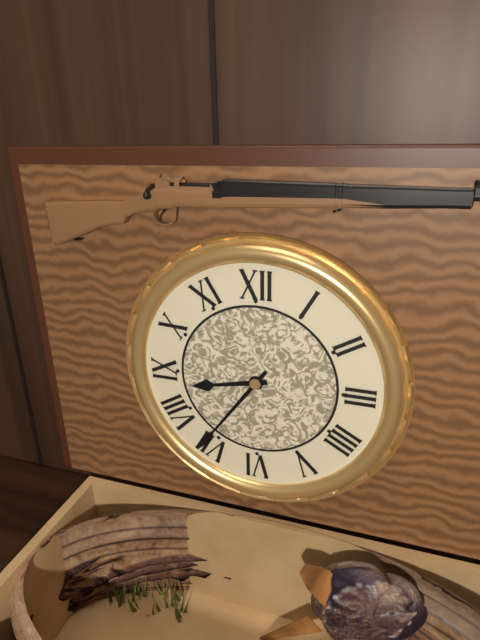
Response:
{"hour": 8, "minute": 36}
